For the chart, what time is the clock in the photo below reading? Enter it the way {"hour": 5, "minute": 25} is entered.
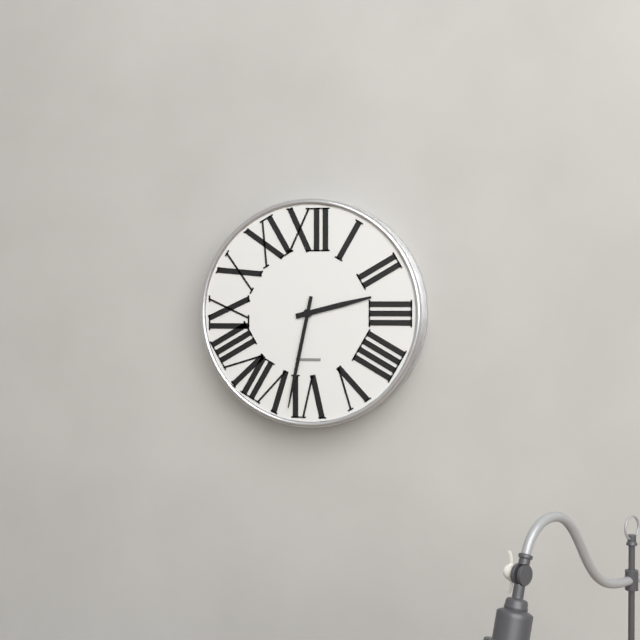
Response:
{"hour": 2, "minute": 32}
